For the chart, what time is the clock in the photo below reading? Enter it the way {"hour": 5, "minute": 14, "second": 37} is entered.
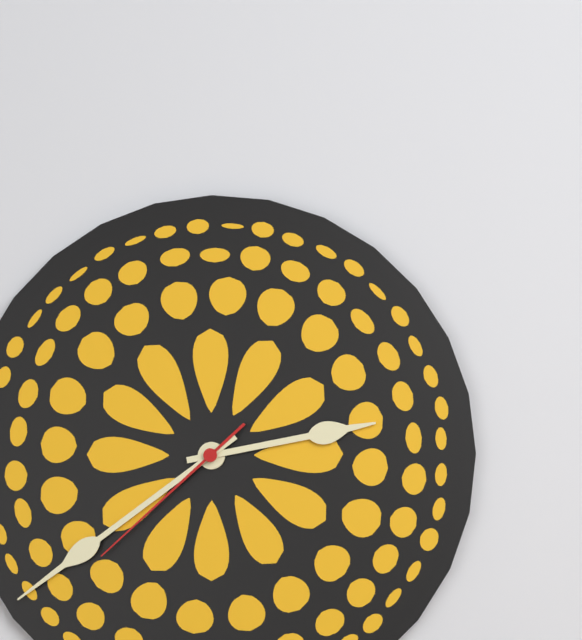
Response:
{"hour": 2, "minute": 39, "second": 38}
